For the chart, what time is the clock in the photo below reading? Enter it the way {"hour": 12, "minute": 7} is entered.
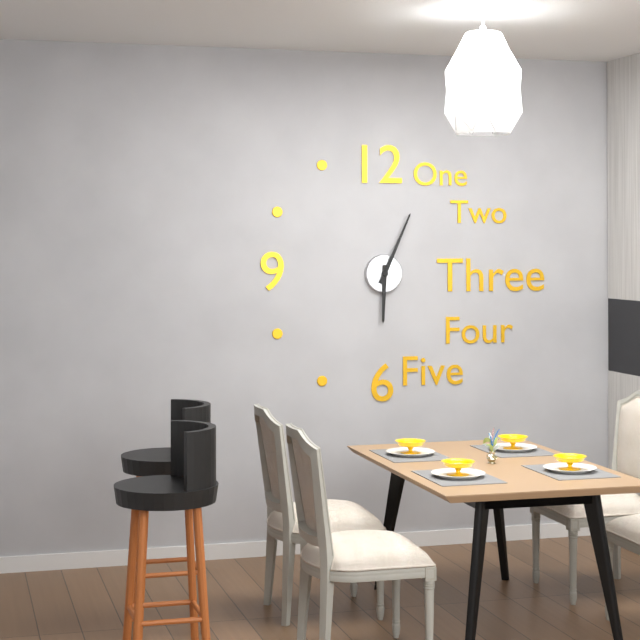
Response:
{"hour": 6, "minute": 4}
